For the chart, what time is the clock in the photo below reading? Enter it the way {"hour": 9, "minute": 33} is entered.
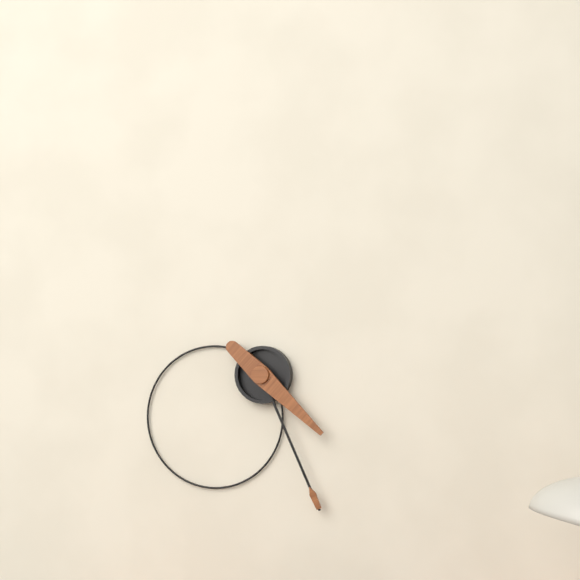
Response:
{"hour": 4, "minute": 26}
